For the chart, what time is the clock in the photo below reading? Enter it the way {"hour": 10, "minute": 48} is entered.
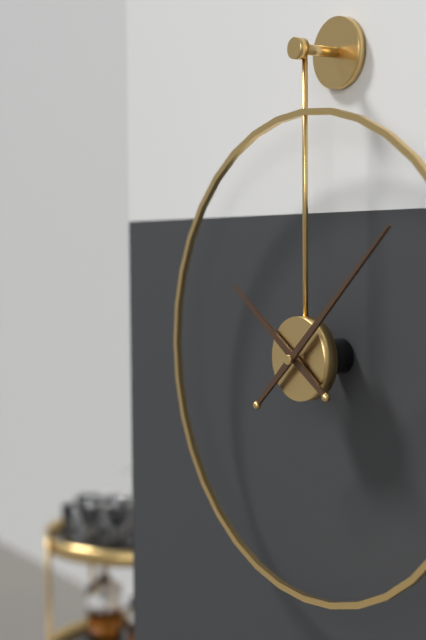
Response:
{"hour": 10, "minute": 8}
